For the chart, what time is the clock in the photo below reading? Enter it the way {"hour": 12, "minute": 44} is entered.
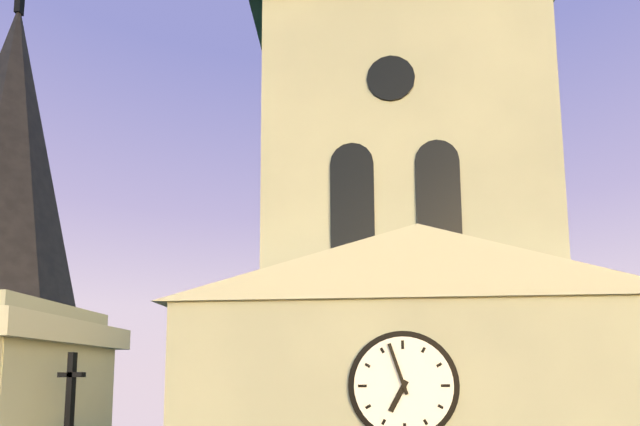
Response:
{"hour": 6, "minute": 57}
